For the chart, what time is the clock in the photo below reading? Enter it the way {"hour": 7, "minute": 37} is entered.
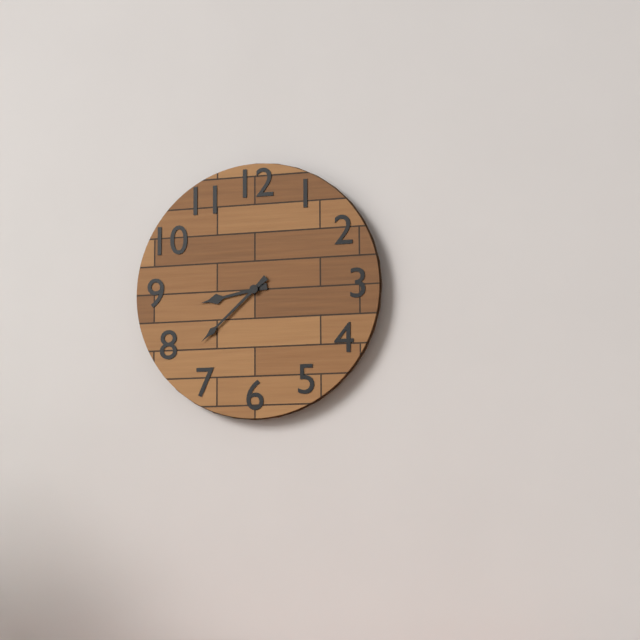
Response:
{"hour": 8, "minute": 38}
